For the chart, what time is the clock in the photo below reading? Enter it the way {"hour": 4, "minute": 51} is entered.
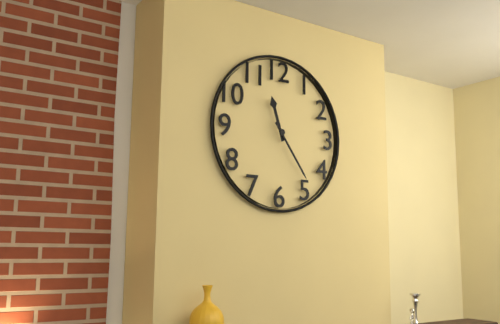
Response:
{"hour": 11, "minute": 24}
